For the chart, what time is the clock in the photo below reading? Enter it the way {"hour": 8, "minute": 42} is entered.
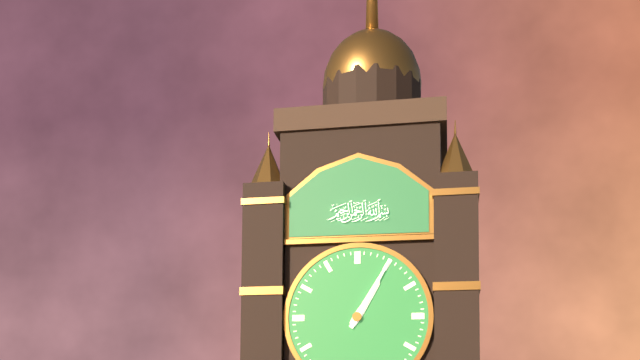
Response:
{"hour": 1, "minute": 5}
